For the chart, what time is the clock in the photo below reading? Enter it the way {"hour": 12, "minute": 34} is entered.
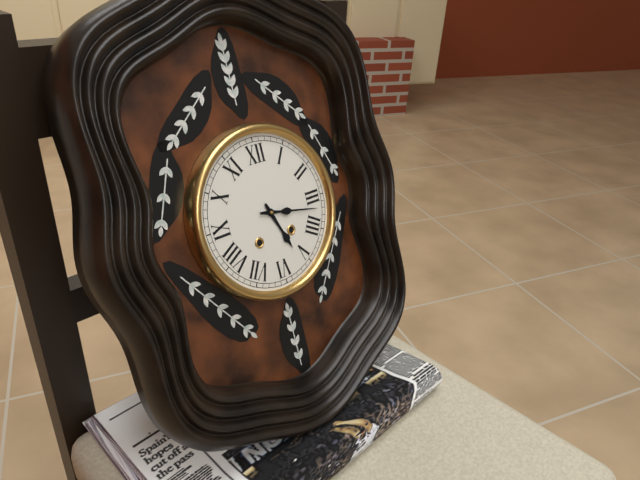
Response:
{"hour": 5, "minute": 17}
